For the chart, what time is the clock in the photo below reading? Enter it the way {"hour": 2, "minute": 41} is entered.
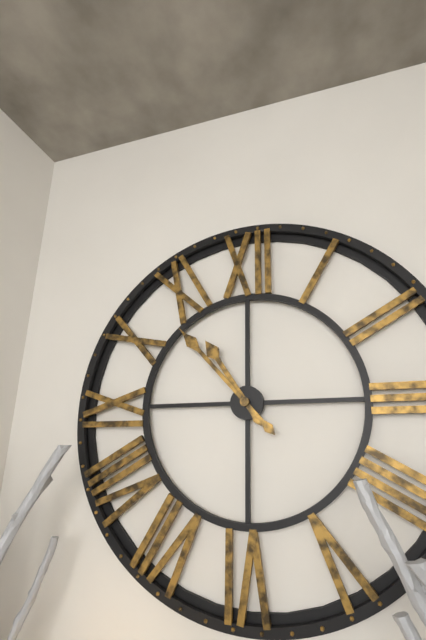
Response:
{"hour": 10, "minute": 53}
